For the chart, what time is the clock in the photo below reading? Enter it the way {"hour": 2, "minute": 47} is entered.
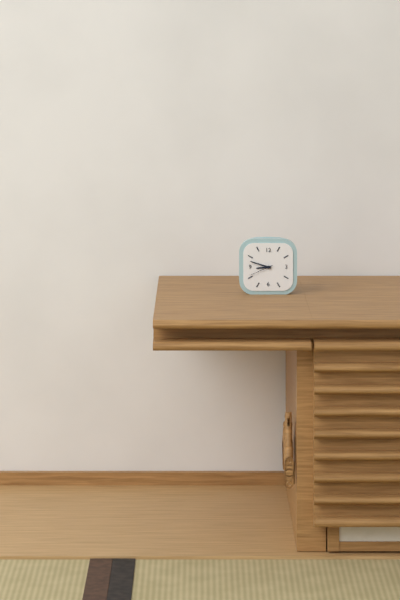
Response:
{"hour": 8, "minute": 48}
